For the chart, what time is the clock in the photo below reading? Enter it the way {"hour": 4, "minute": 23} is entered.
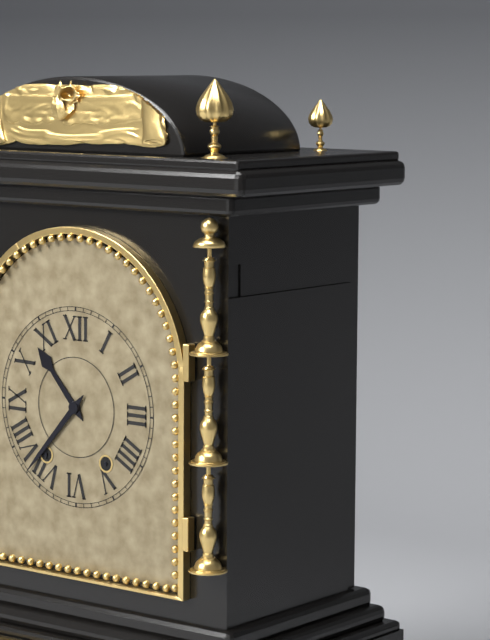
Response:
{"hour": 10, "minute": 37}
